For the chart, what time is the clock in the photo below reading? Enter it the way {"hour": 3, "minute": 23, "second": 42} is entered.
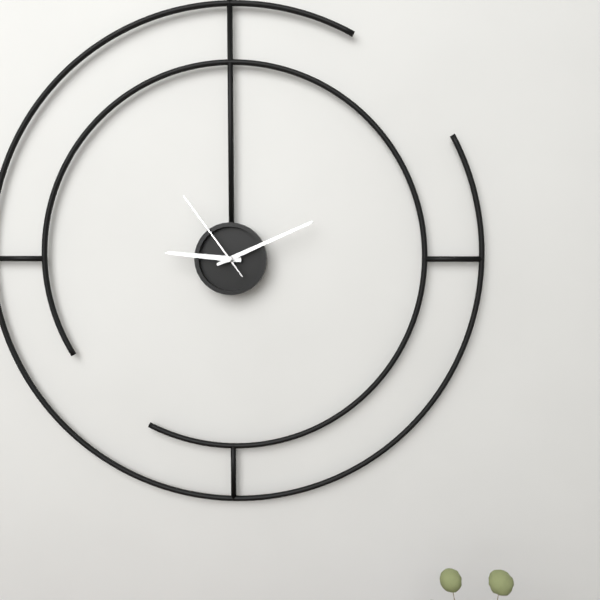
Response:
{"hour": 9, "minute": 11, "second": 54}
